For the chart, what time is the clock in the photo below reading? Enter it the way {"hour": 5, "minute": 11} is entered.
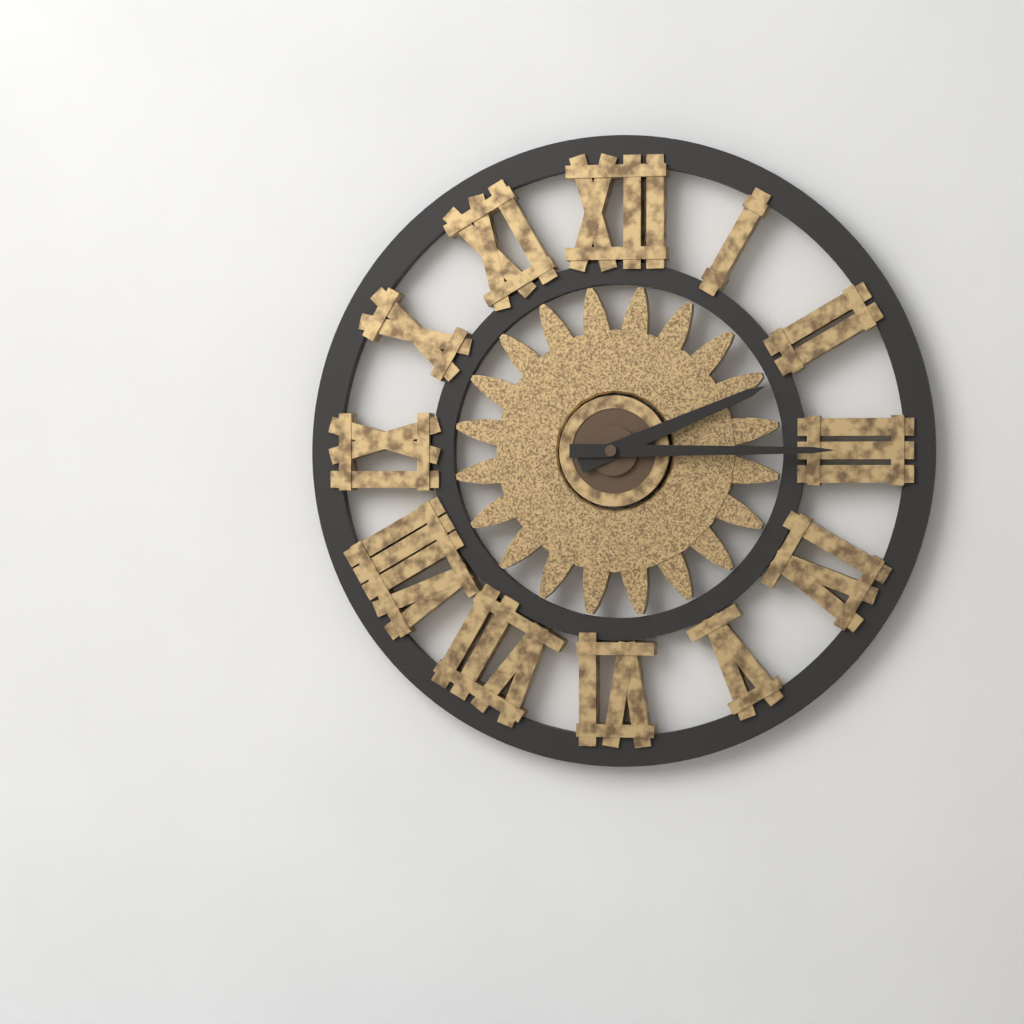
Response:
{"hour": 2, "minute": 15}
